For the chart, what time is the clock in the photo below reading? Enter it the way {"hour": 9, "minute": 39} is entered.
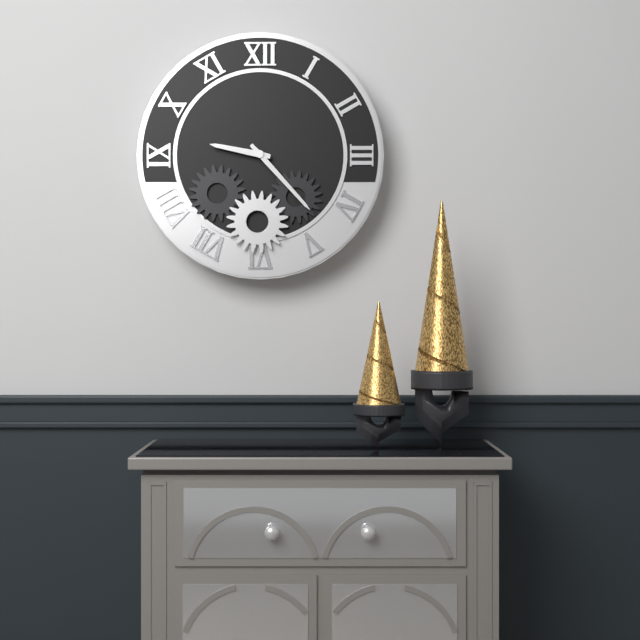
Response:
{"hour": 9, "minute": 23}
